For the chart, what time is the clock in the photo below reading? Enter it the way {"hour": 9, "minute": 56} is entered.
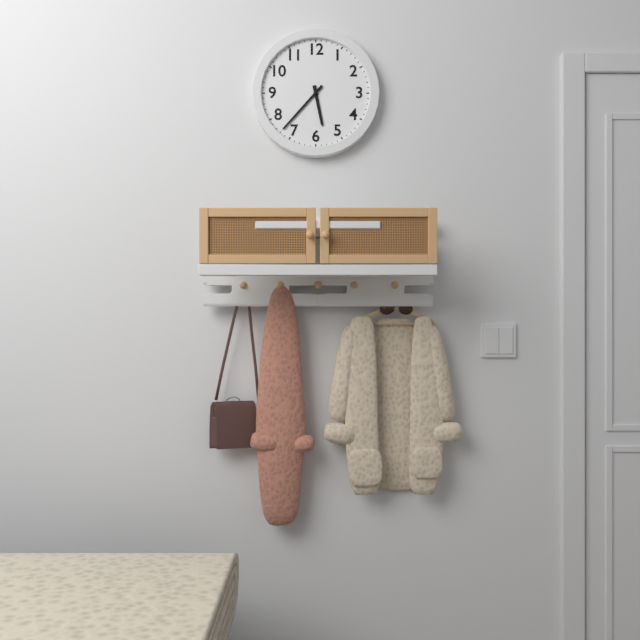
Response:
{"hour": 5, "minute": 37}
